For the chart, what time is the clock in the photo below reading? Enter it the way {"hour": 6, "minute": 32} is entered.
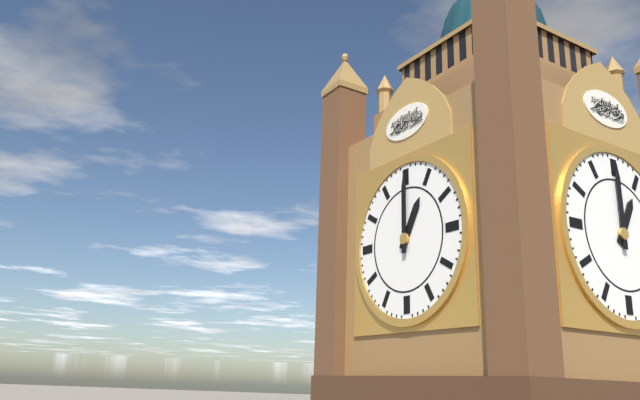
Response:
{"hour": 1, "minute": 0}
